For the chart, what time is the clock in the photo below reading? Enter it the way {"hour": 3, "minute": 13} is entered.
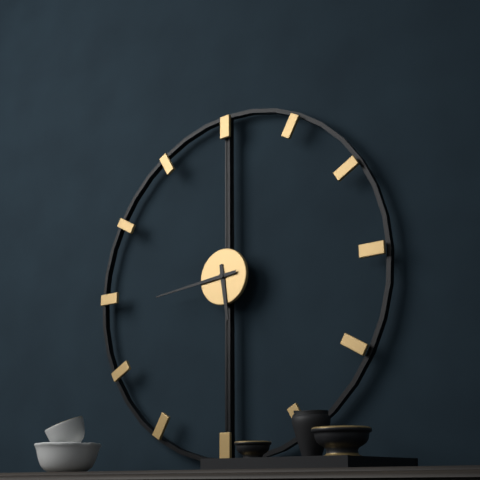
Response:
{"hour": 5, "minute": 44}
